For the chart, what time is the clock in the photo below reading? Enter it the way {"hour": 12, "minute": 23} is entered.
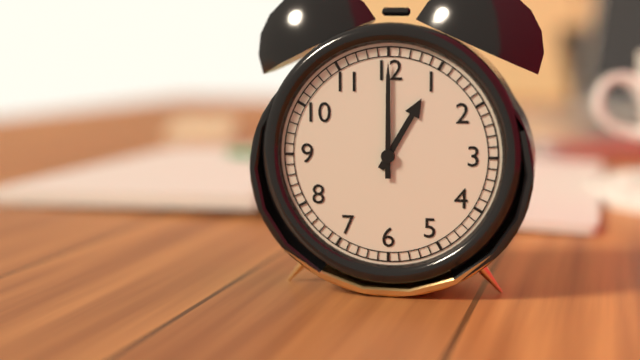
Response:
{"hour": 1, "minute": 0}
